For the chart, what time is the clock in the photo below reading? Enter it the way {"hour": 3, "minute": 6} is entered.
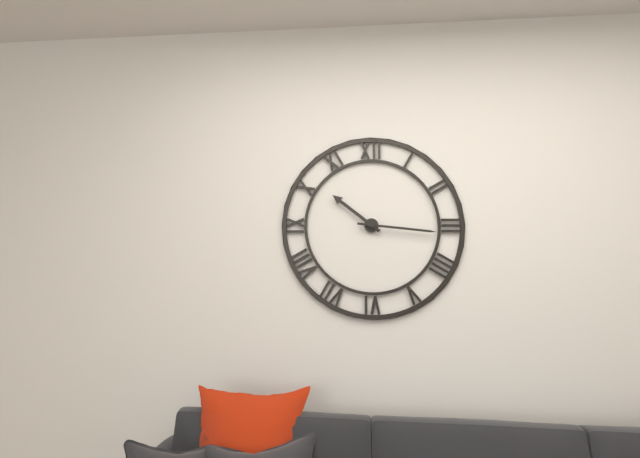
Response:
{"hour": 10, "minute": 16}
